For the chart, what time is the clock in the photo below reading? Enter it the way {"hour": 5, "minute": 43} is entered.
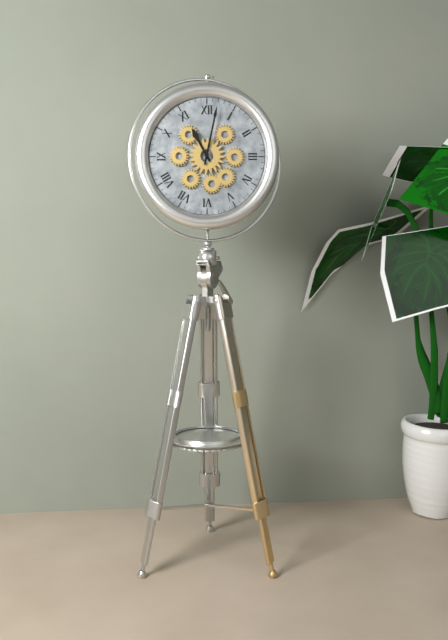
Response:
{"hour": 11, "minute": 2}
